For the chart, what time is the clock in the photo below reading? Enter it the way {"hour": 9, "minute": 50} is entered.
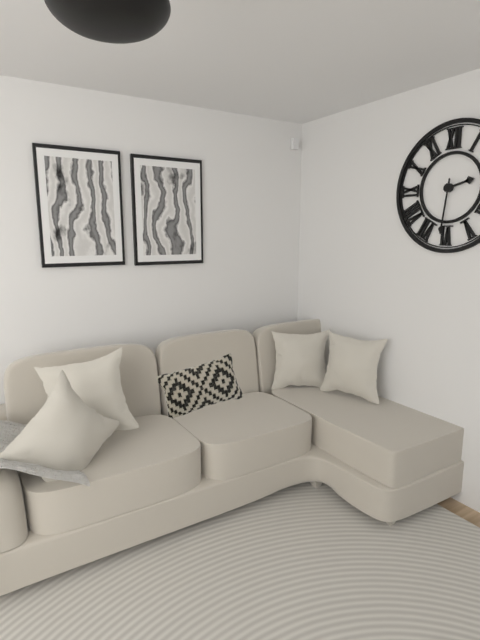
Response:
{"hour": 2, "minute": 31}
